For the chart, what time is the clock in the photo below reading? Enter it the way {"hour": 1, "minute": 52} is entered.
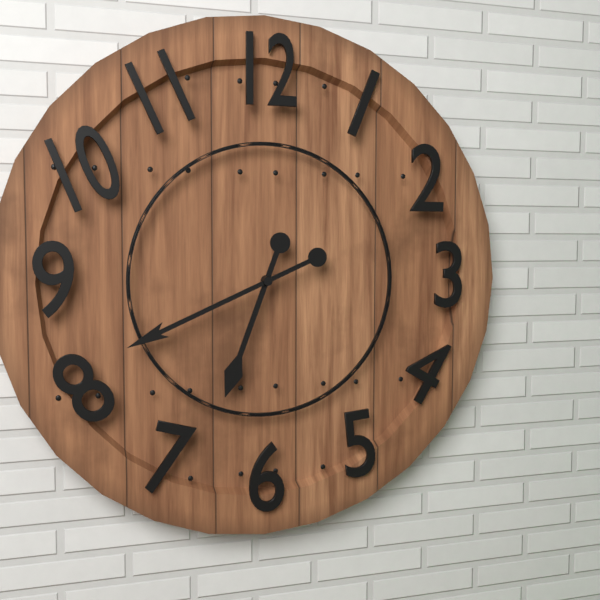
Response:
{"hour": 6, "minute": 41}
